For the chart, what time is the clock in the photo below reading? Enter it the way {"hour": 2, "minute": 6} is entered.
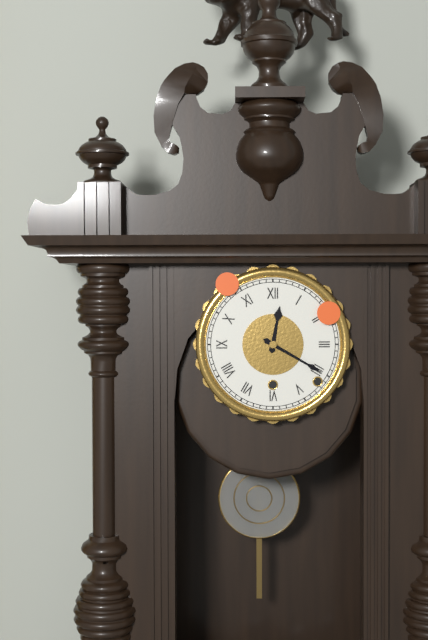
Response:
{"hour": 12, "minute": 20}
